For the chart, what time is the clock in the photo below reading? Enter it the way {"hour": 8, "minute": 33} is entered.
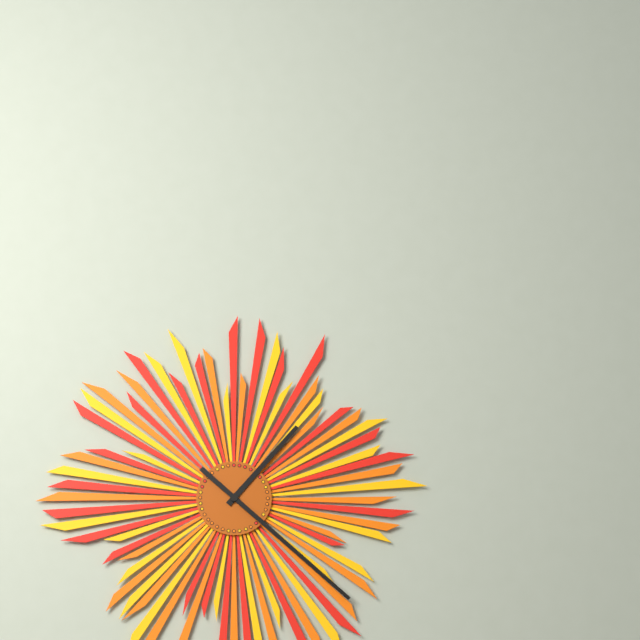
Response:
{"hour": 1, "minute": 22}
